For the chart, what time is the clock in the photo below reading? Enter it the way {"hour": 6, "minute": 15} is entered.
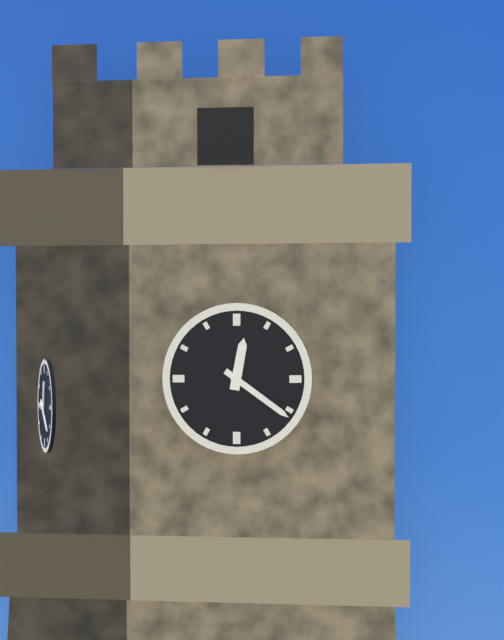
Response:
{"hour": 12, "minute": 21}
